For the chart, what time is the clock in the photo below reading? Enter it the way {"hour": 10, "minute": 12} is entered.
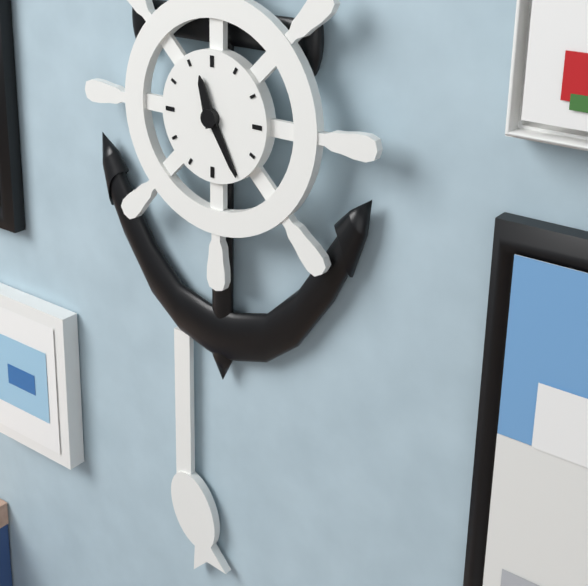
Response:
{"hour": 11, "minute": 25}
